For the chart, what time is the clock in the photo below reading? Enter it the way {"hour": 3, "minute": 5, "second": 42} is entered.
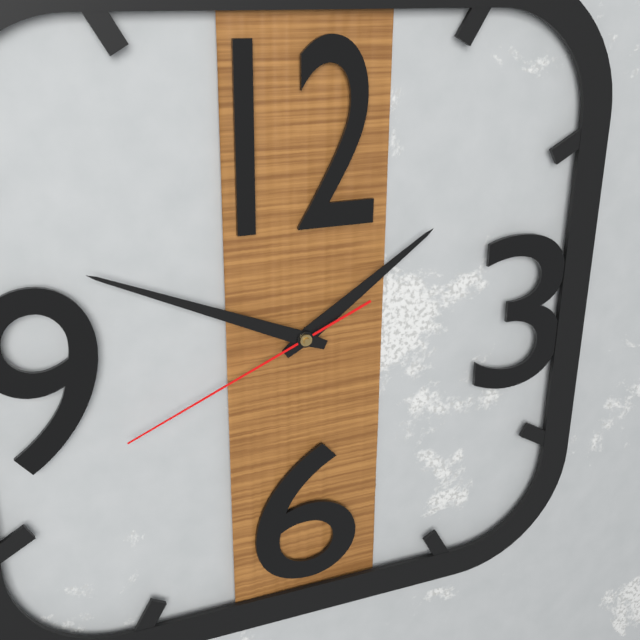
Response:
{"hour": 1, "minute": 49, "second": 41}
